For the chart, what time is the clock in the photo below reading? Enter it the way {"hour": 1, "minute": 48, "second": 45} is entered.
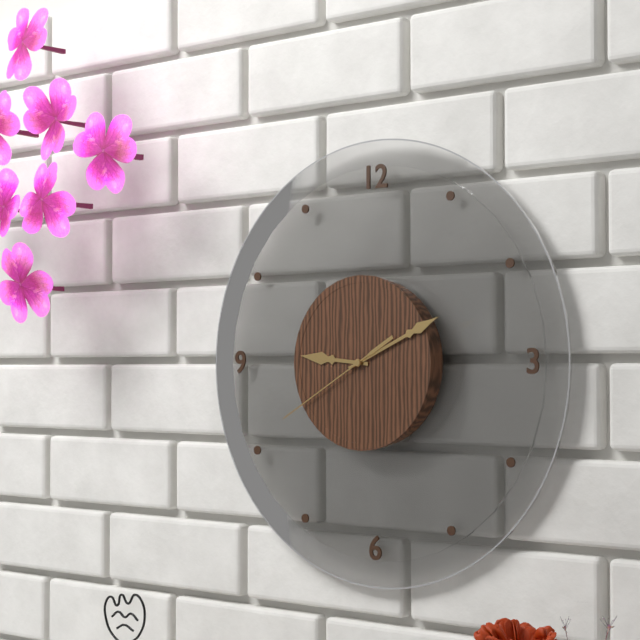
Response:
{"hour": 9, "minute": 11, "second": 40}
